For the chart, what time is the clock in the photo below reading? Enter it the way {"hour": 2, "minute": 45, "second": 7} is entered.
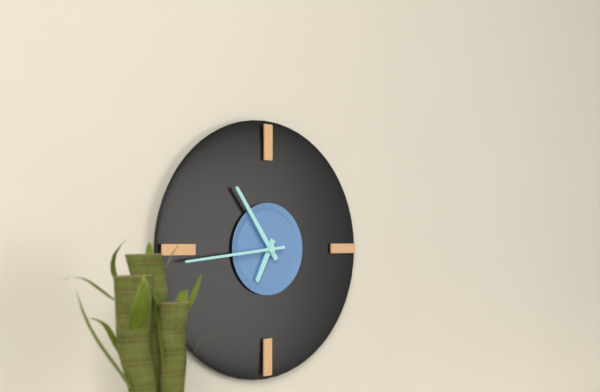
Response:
{"hour": 6, "minute": 54, "second": 44}
